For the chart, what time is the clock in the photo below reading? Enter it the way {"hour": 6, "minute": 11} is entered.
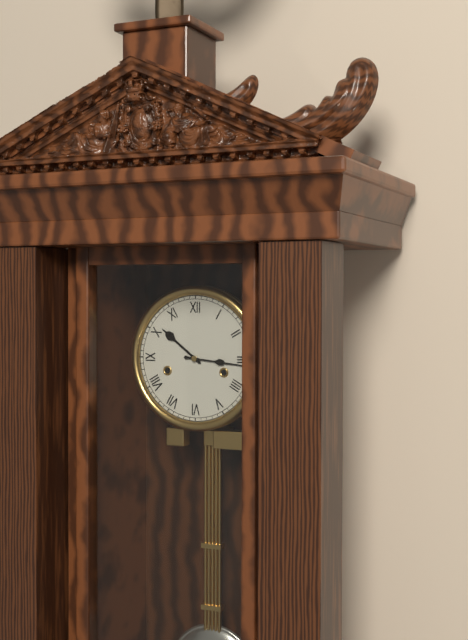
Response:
{"hour": 10, "minute": 16}
